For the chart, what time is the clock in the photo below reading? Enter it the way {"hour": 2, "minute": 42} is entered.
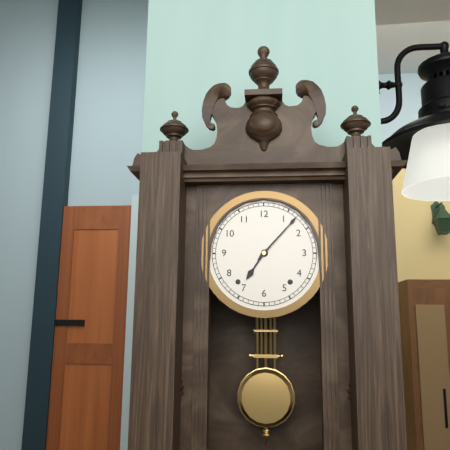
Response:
{"hour": 7, "minute": 7}
